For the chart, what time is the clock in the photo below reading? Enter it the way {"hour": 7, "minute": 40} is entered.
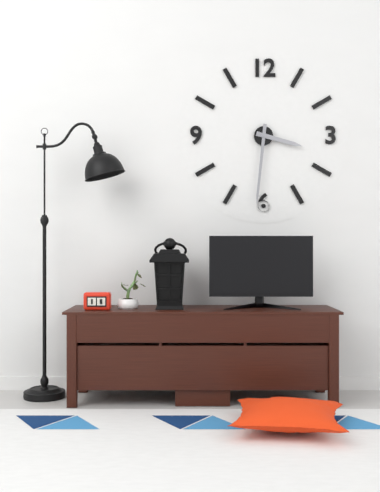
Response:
{"hour": 3, "minute": 31}
